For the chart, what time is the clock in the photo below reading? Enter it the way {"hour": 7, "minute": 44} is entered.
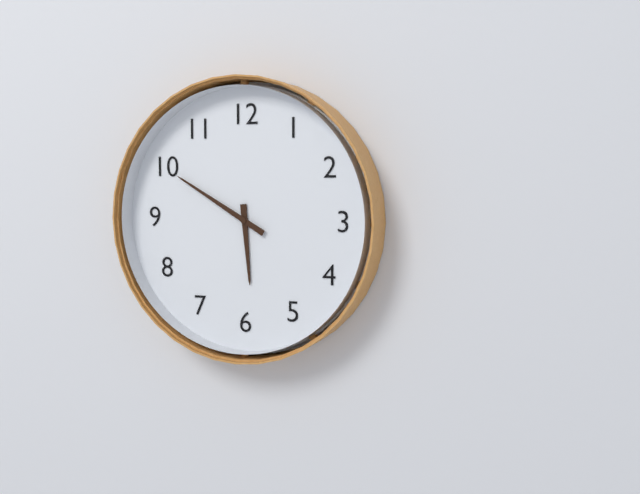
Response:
{"hour": 5, "minute": 50}
